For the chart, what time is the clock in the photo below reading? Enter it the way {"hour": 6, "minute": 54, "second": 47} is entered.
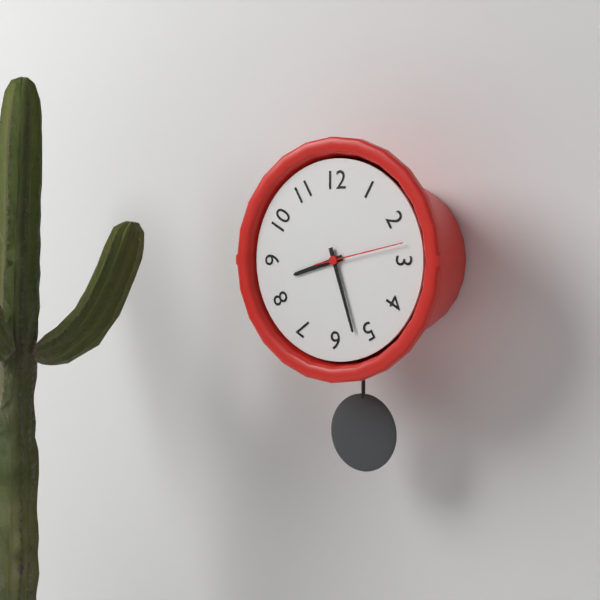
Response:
{"hour": 8, "minute": 27, "second": 13}
